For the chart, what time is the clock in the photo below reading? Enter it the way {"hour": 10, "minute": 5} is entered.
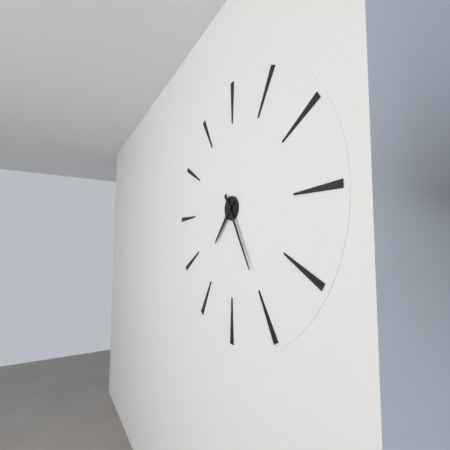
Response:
{"hour": 7, "minute": 25}
